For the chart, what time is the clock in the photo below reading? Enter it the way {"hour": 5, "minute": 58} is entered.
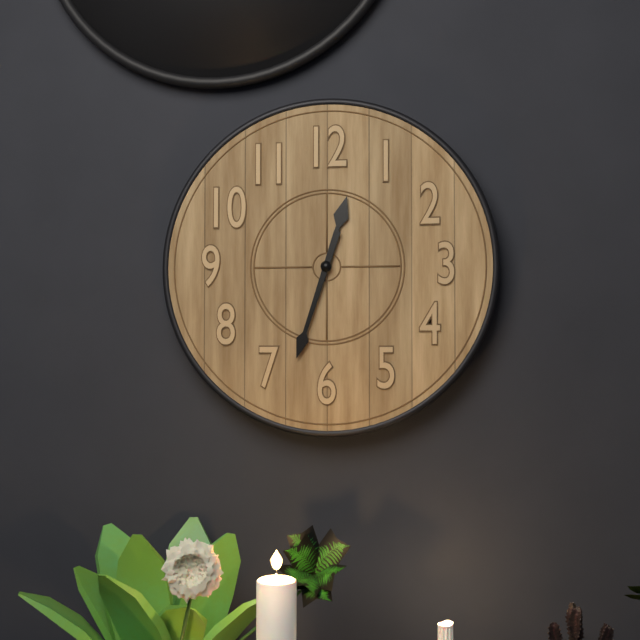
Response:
{"hour": 12, "minute": 33}
